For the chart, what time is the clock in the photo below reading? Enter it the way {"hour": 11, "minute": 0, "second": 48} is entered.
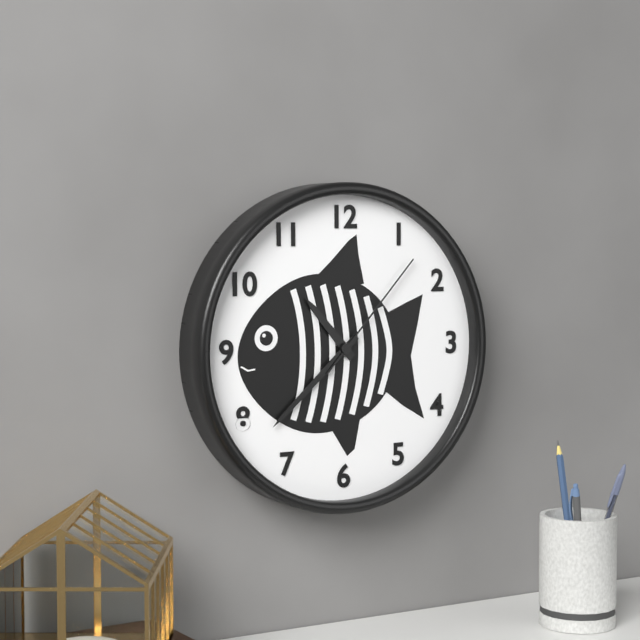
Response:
{"hour": 10, "minute": 38, "second": 7}
